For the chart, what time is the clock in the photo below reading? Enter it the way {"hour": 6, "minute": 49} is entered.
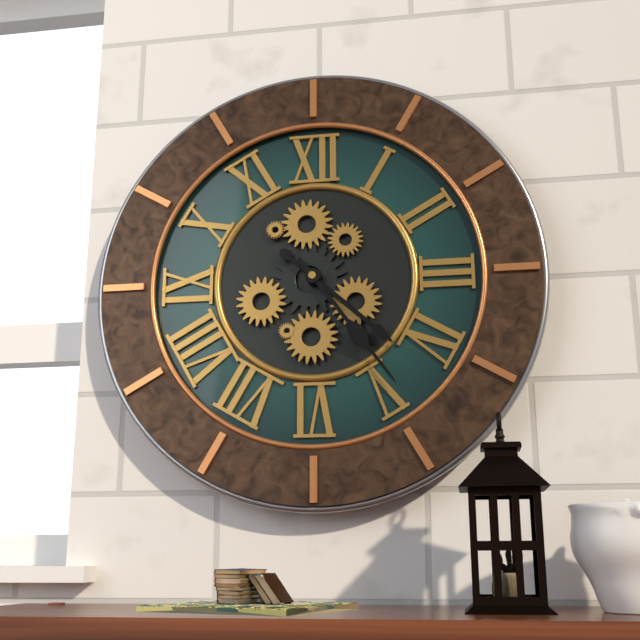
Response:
{"hour": 4, "minute": 24}
